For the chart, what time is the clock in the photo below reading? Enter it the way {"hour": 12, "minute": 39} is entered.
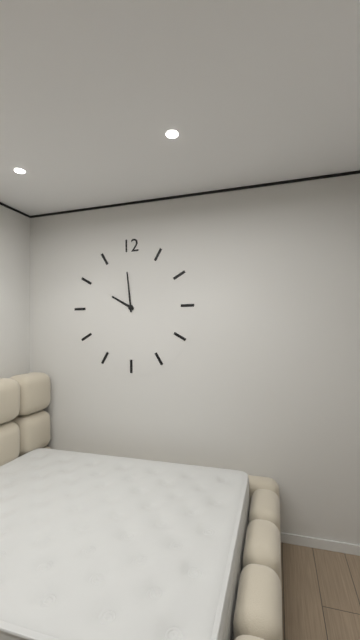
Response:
{"hour": 9, "minute": 59}
